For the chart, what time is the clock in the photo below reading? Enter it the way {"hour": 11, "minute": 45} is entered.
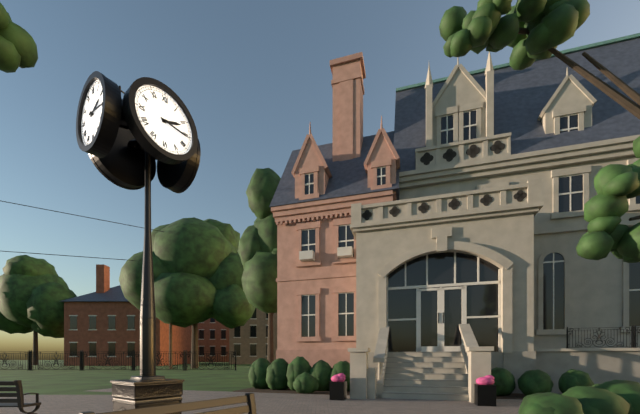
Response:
{"hour": 2, "minute": 16}
